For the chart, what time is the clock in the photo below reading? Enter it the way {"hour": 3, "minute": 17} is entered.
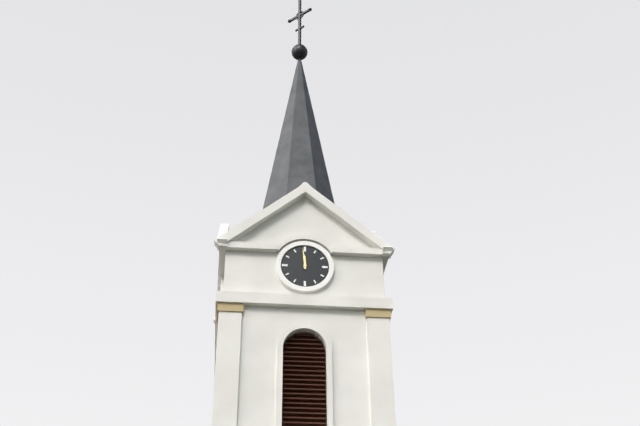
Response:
{"hour": 11, "minute": 59}
